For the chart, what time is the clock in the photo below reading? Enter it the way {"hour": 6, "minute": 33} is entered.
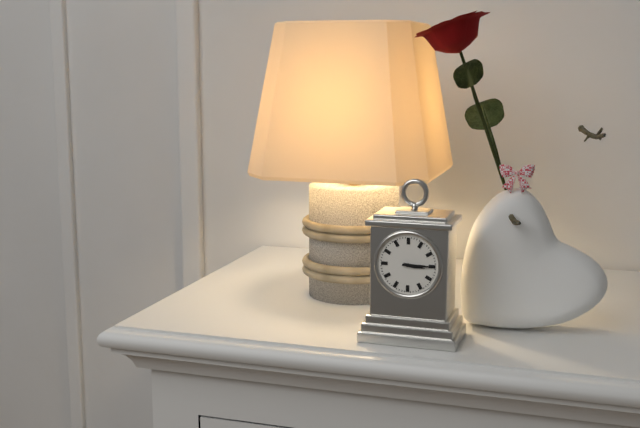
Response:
{"hour": 3, "minute": 15}
